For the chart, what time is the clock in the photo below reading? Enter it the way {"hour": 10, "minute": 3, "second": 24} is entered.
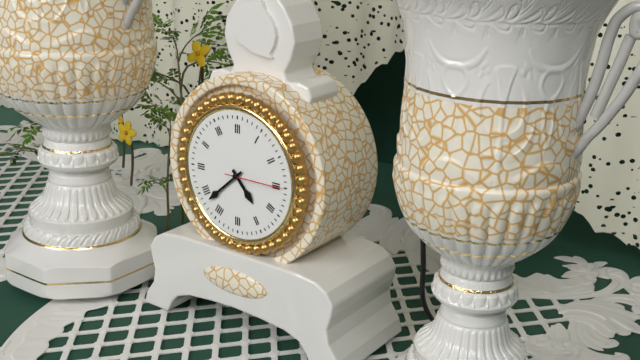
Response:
{"hour": 4, "minute": 38, "second": 15}
